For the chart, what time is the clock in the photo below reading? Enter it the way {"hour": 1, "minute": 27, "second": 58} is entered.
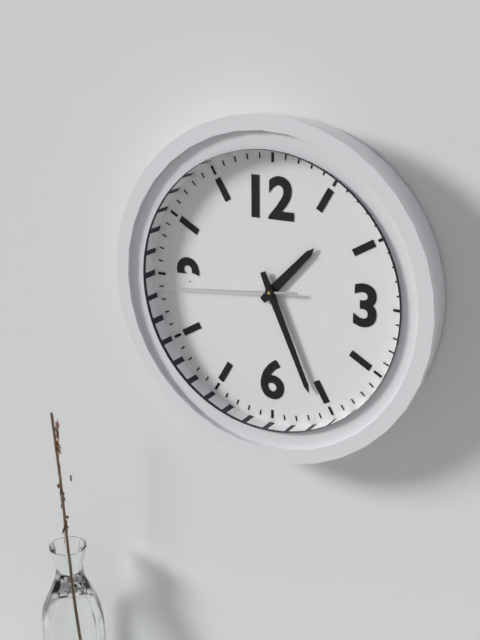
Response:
{"hour": 1, "minute": 26, "second": 44}
